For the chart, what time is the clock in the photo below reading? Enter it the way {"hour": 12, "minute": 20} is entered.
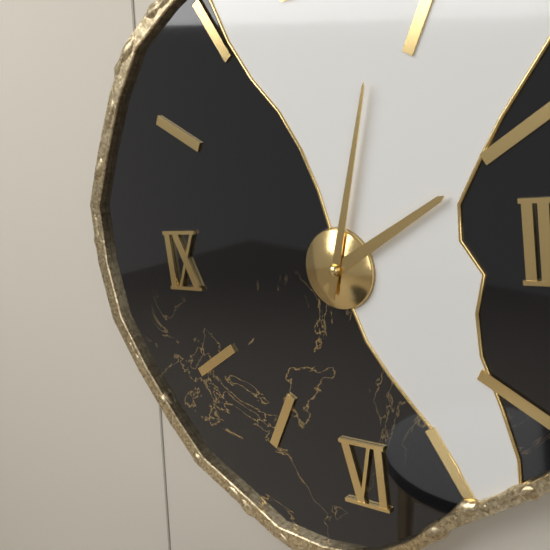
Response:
{"hour": 2, "minute": 3}
